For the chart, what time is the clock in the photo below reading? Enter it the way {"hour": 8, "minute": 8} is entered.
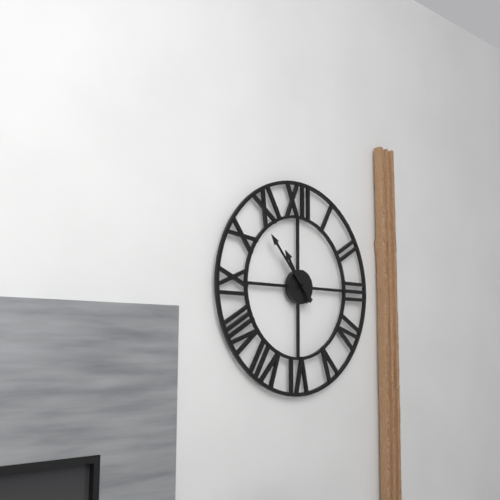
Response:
{"hour": 10, "minute": 53}
